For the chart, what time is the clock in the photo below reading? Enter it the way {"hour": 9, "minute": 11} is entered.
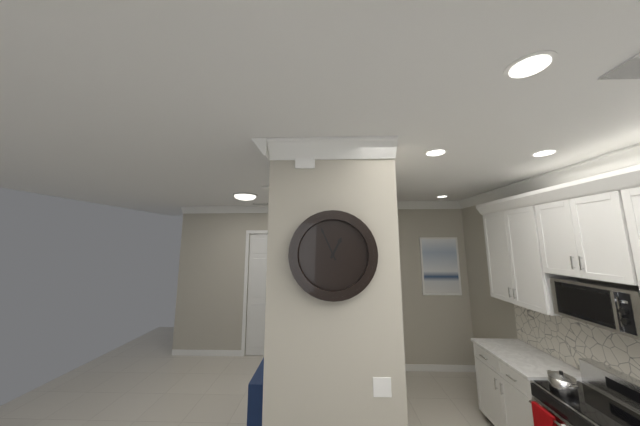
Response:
{"hour": 12, "minute": 56}
